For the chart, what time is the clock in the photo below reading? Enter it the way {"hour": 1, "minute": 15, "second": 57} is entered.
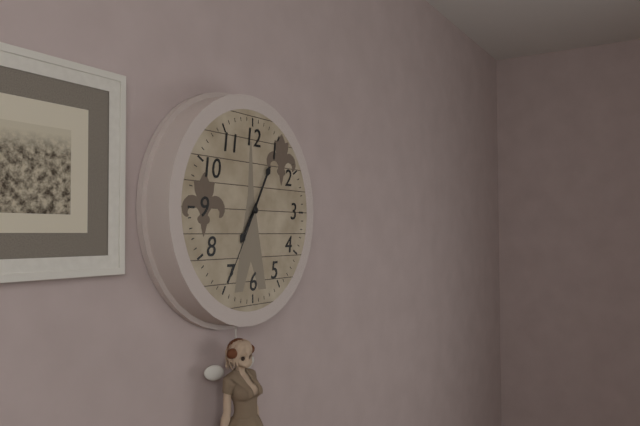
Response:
{"hour": 7, "minute": 5, "second": 35}
